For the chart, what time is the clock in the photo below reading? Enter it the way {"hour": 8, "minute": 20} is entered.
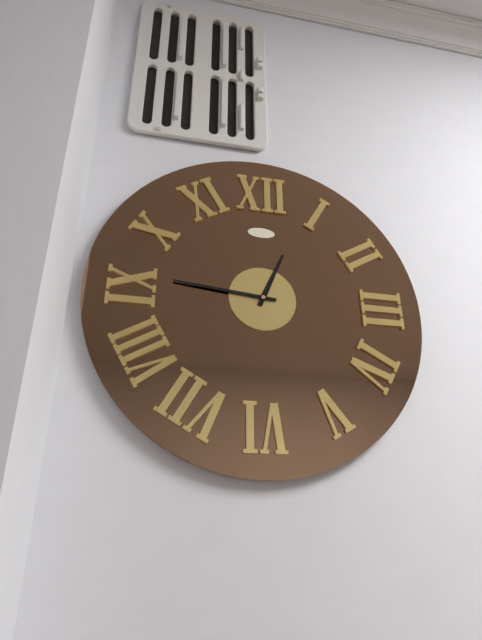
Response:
{"hour": 12, "minute": 46}
